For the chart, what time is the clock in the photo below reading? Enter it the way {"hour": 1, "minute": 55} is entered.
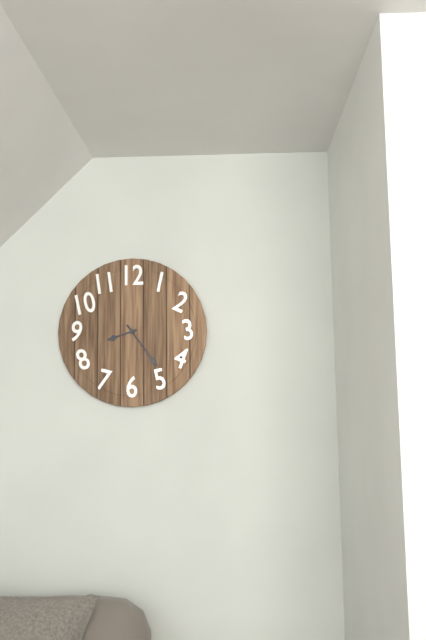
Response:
{"hour": 8, "minute": 24}
